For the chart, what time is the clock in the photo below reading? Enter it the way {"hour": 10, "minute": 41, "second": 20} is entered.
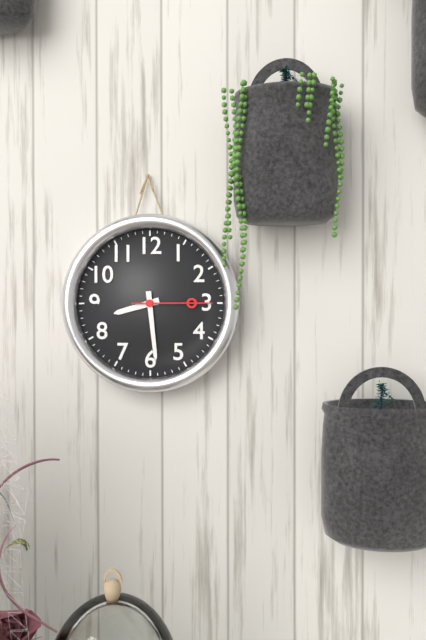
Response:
{"hour": 8, "minute": 29, "second": 15}
